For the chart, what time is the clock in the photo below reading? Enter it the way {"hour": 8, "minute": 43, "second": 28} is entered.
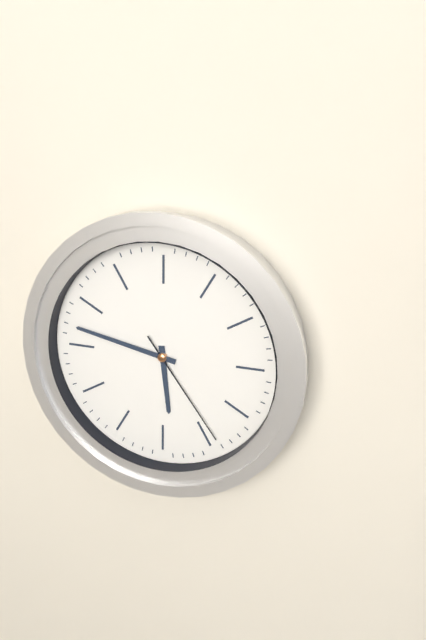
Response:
{"hour": 5, "minute": 47, "second": 24}
